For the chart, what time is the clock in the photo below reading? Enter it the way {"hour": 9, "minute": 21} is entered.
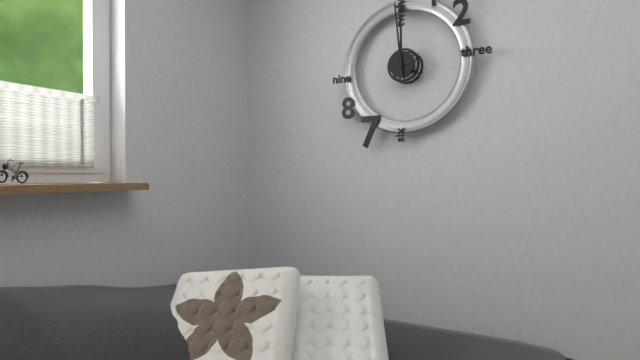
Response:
{"hour": 11, "minute": 59}
